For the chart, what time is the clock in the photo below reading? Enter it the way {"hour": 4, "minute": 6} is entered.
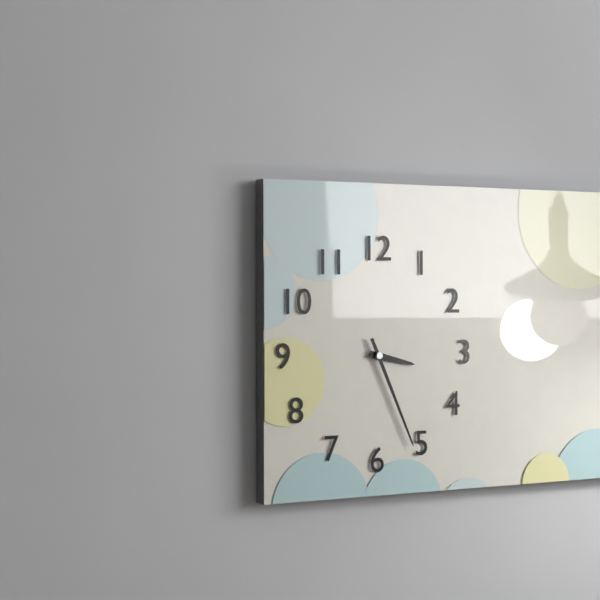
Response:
{"hour": 3, "minute": 26}
